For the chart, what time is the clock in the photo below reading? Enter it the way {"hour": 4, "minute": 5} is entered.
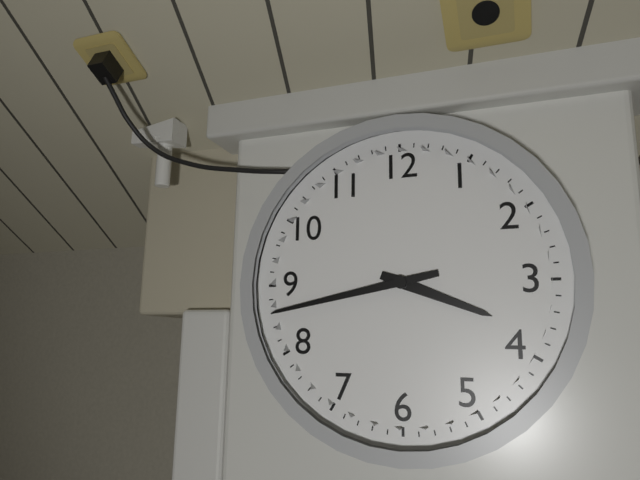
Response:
{"hour": 3, "minute": 43}
